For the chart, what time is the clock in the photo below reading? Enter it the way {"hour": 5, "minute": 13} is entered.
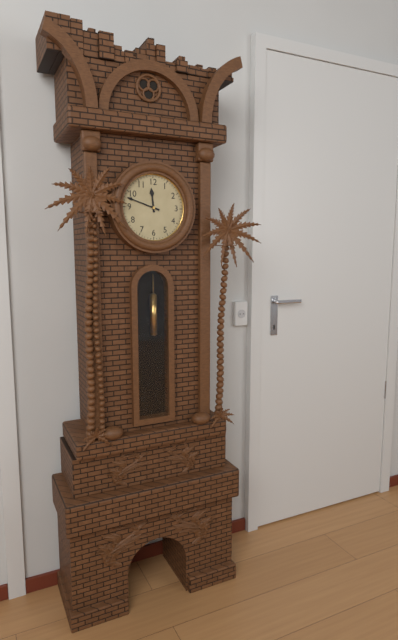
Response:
{"hour": 11, "minute": 48}
